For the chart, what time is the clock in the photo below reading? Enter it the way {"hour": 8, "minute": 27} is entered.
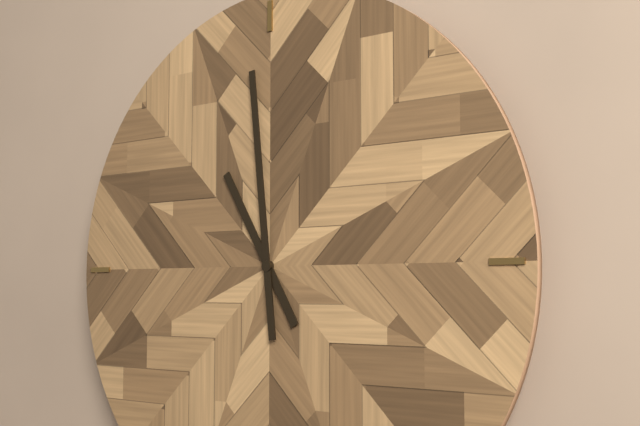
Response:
{"hour": 10, "minute": 59}
